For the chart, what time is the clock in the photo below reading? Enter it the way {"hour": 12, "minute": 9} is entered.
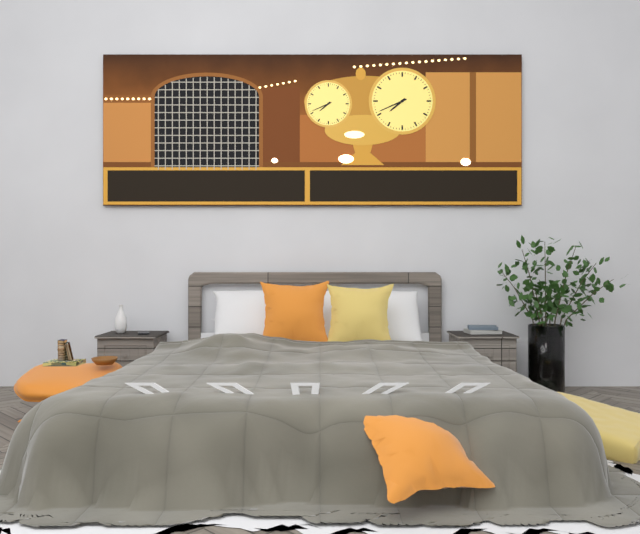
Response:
{"hour": 7, "minute": 41}
